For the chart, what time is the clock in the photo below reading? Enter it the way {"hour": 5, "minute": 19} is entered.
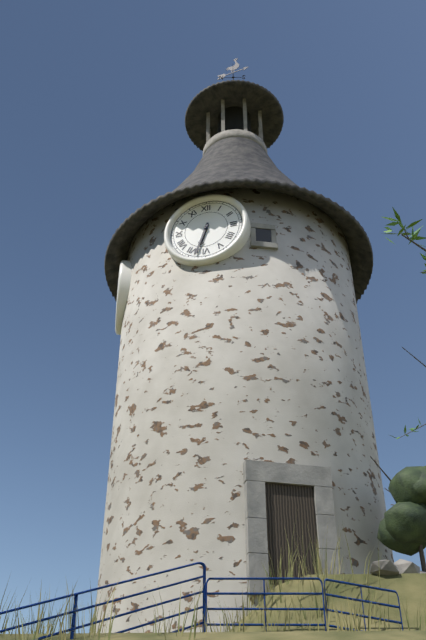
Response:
{"hour": 6, "minute": 33}
